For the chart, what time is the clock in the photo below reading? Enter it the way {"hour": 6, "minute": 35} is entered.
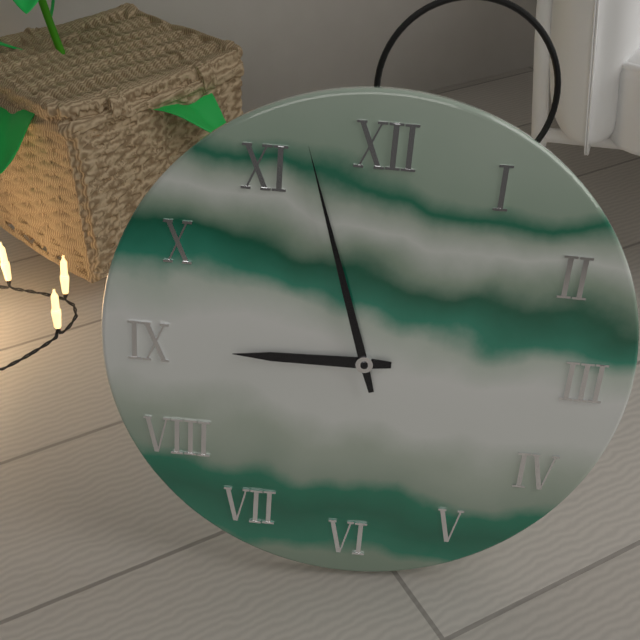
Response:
{"hour": 8, "minute": 57}
